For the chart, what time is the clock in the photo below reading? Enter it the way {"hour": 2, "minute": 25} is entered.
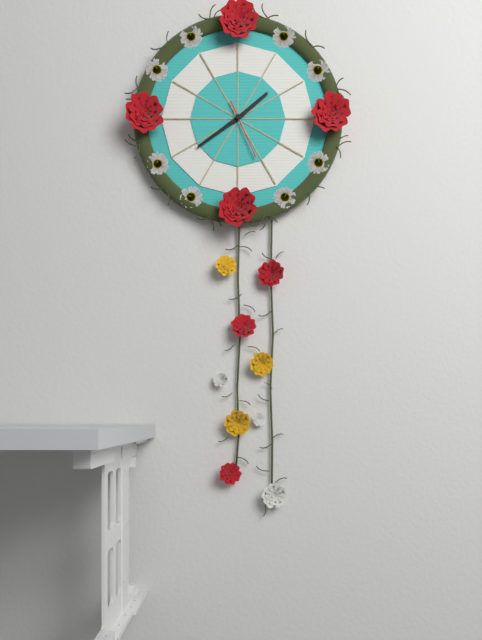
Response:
{"hour": 1, "minute": 39}
